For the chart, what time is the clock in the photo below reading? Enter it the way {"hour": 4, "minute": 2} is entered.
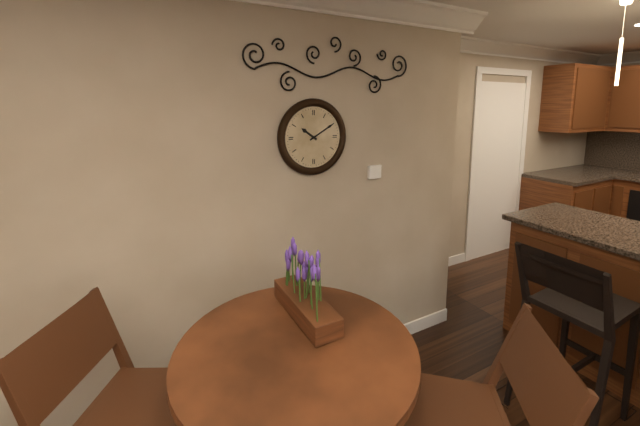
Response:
{"hour": 10, "minute": 10}
